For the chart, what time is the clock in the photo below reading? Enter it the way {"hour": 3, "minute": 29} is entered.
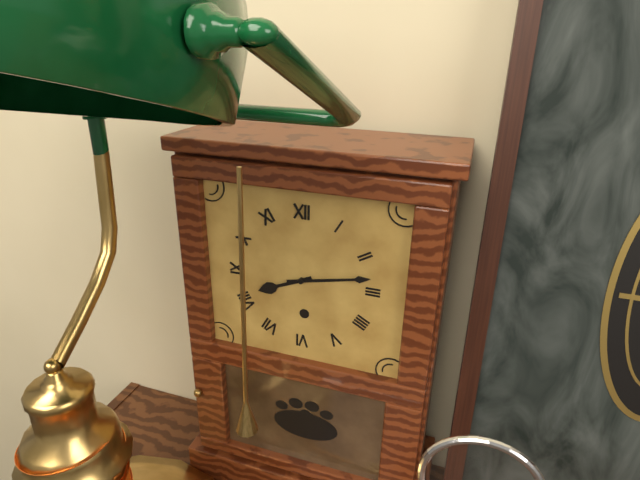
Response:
{"hour": 8, "minute": 13}
